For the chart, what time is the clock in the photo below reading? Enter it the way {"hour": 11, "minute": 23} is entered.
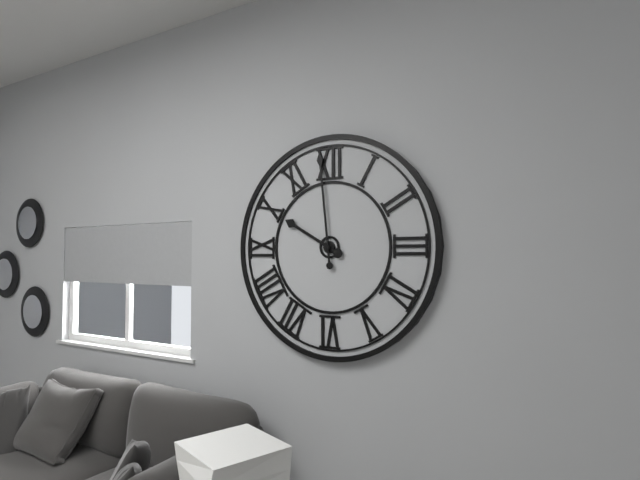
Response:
{"hour": 9, "minute": 59}
